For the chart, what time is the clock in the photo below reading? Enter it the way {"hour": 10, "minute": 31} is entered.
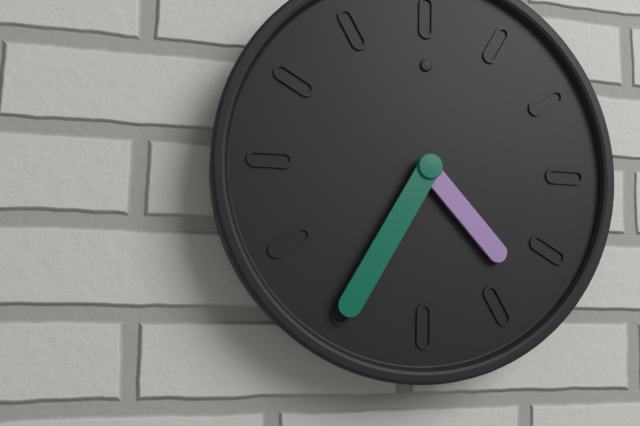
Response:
{"hour": 4, "minute": 35}
